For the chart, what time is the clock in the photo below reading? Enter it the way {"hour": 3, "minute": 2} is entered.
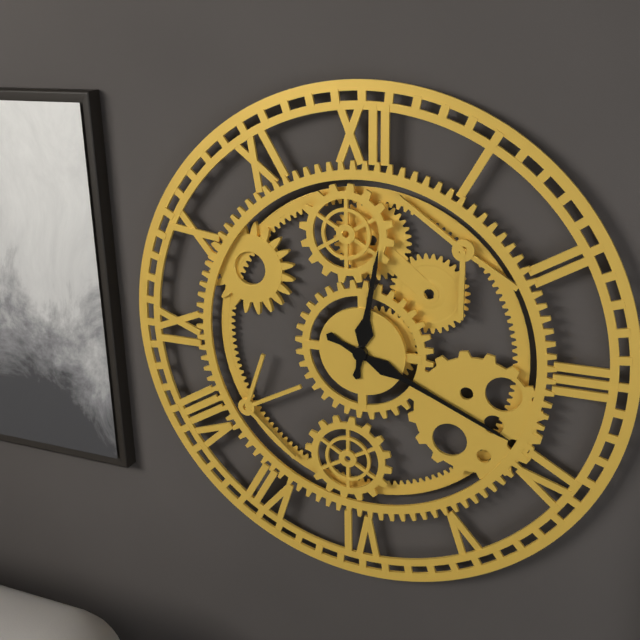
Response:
{"hour": 12, "minute": 19}
